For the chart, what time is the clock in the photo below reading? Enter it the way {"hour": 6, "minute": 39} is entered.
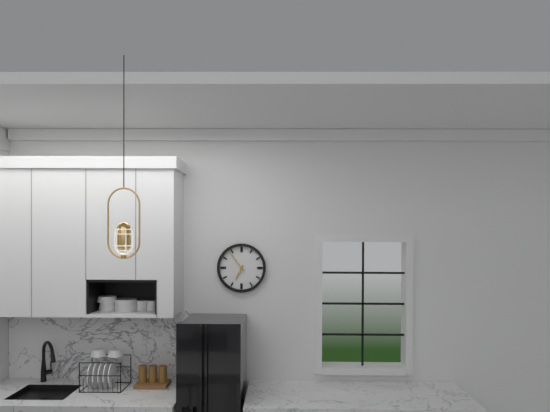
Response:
{"hour": 6, "minute": 54}
